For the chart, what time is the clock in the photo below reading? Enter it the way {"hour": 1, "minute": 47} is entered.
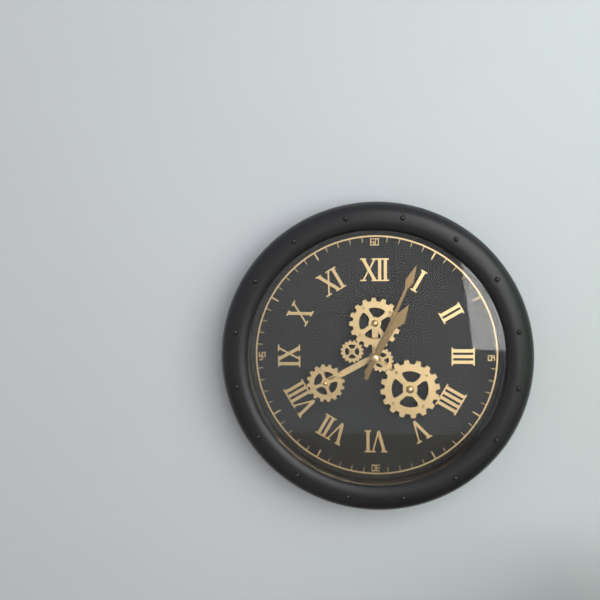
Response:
{"hour": 1, "minute": 4}
